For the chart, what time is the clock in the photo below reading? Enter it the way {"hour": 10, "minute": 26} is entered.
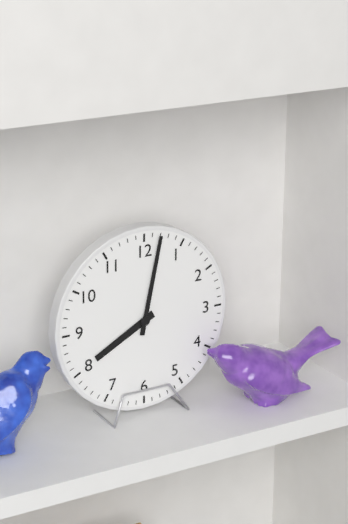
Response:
{"hour": 8, "minute": 2}
